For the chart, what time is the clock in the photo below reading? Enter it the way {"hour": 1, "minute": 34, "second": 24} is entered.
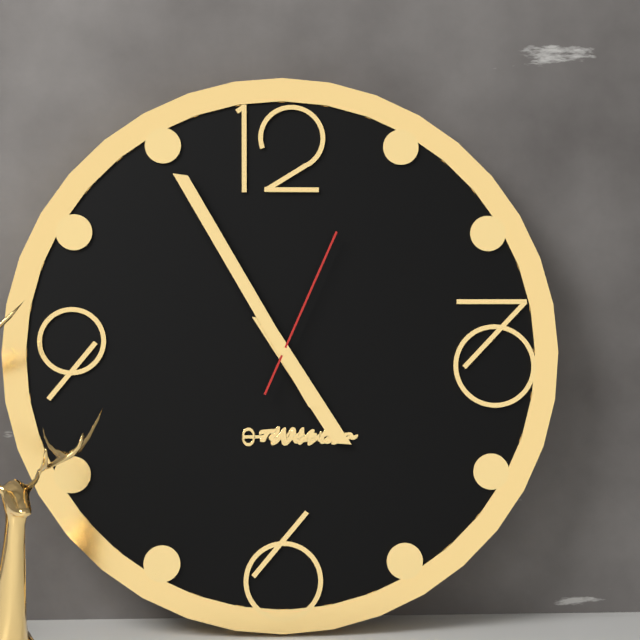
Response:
{"hour": 4, "minute": 55, "second": 4}
